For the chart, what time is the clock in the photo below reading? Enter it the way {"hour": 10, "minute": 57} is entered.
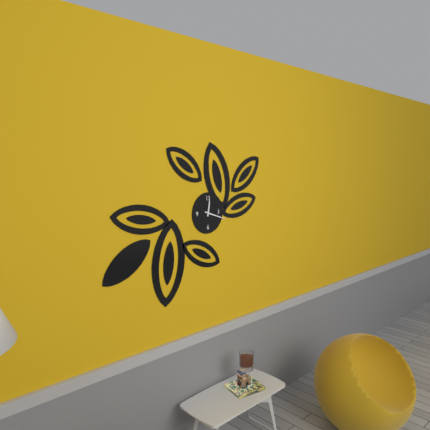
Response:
{"hour": 12, "minute": 18}
